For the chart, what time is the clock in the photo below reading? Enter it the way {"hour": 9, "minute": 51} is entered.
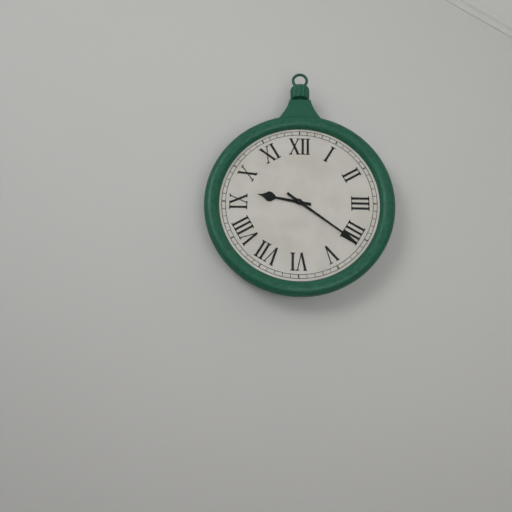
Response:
{"hour": 9, "minute": 21}
